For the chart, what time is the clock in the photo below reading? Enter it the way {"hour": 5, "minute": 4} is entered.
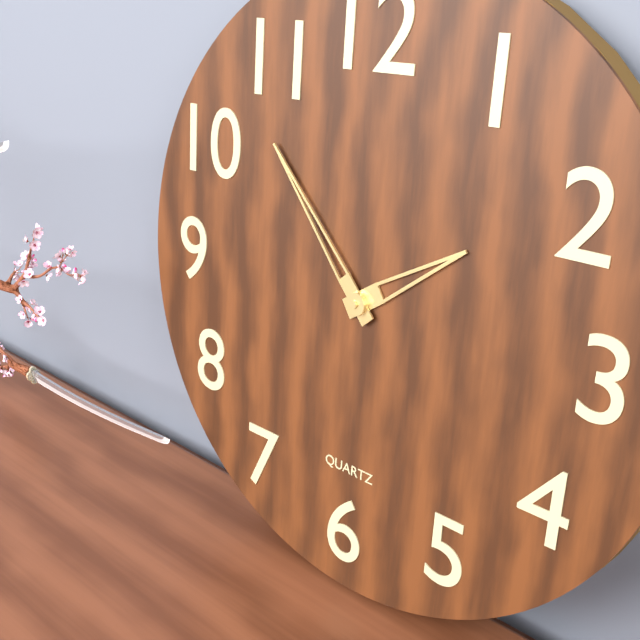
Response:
{"hour": 1, "minute": 53}
